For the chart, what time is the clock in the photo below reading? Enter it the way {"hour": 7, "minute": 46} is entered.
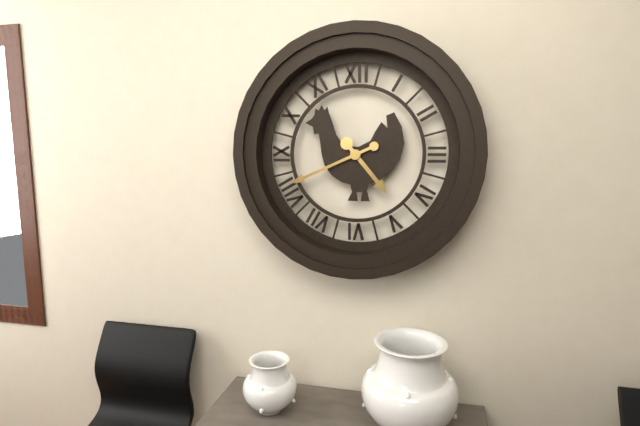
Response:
{"hour": 4, "minute": 41}
